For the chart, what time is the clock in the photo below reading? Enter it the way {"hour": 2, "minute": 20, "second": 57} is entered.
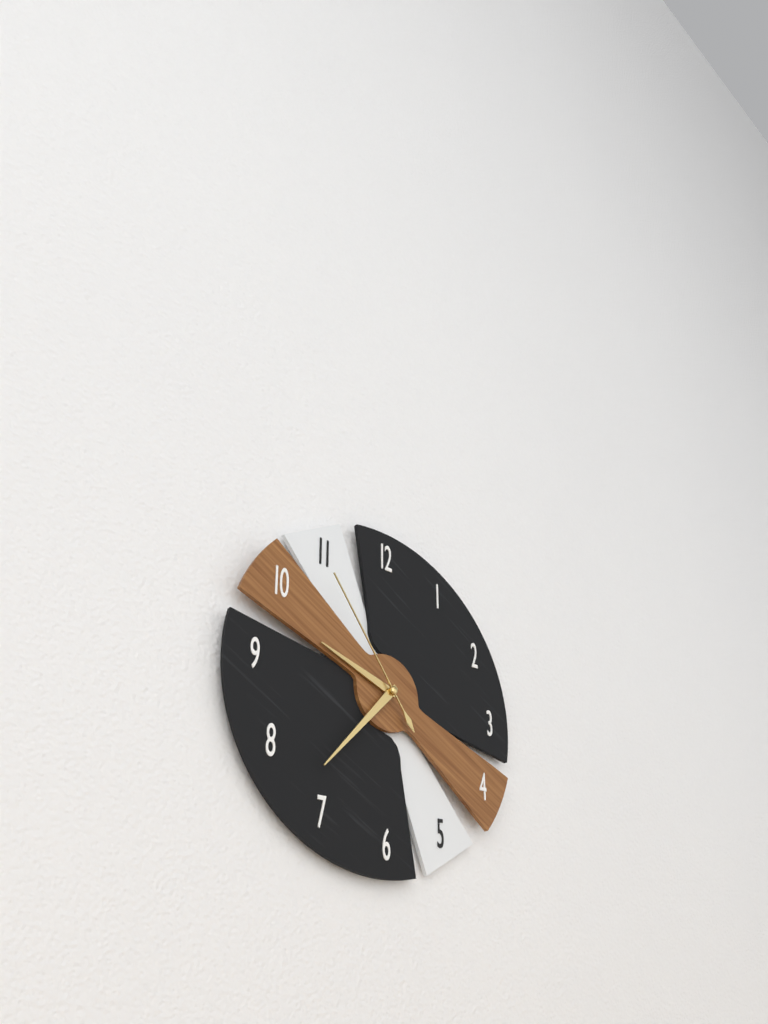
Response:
{"hour": 9, "minute": 37, "second": 54}
